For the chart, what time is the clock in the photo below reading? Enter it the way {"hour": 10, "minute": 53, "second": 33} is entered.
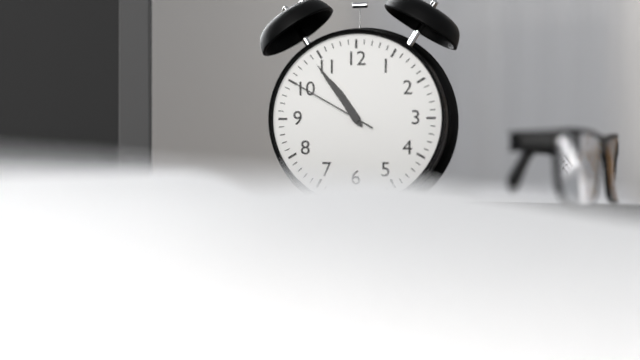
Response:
{"hour": 10, "minute": 54, "second": 50}
